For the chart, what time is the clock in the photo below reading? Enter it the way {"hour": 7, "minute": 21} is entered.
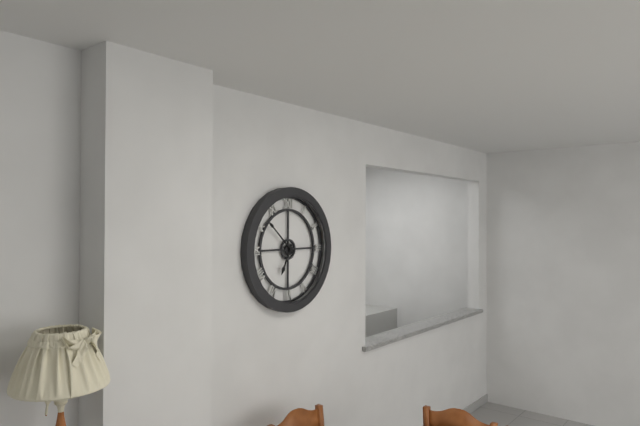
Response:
{"hour": 6, "minute": 52}
